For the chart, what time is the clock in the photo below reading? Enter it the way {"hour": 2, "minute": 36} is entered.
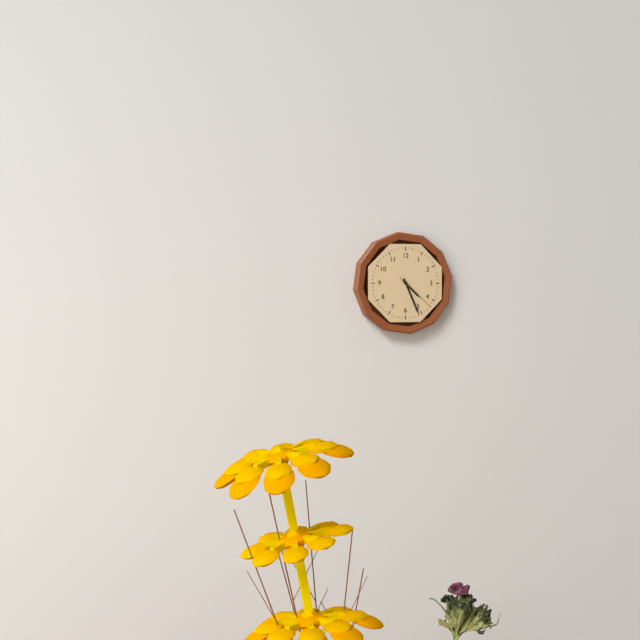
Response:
{"hour": 4, "minute": 26}
